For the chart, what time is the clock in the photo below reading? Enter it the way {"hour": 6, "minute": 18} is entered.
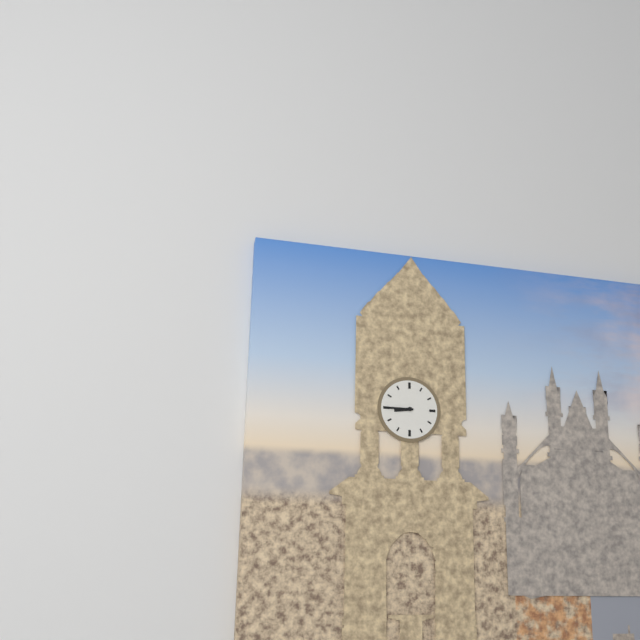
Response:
{"hour": 8, "minute": 45}
